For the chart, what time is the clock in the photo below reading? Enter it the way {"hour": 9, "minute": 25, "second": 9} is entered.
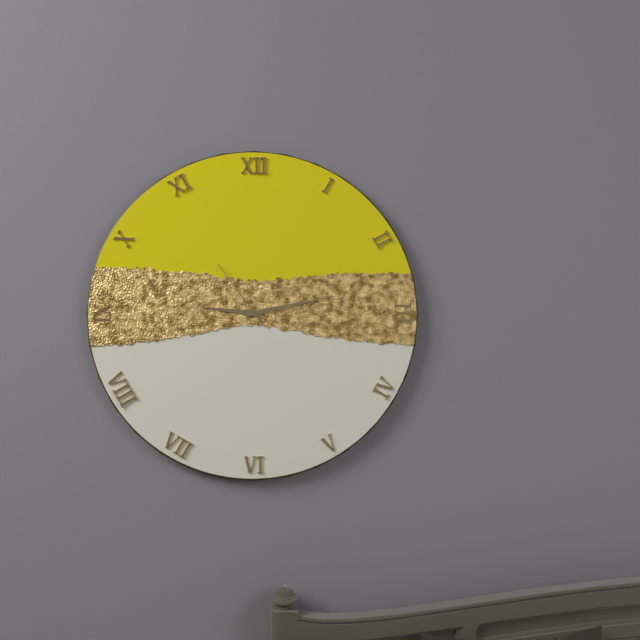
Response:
{"hour": 9, "minute": 13, "second": 54}
